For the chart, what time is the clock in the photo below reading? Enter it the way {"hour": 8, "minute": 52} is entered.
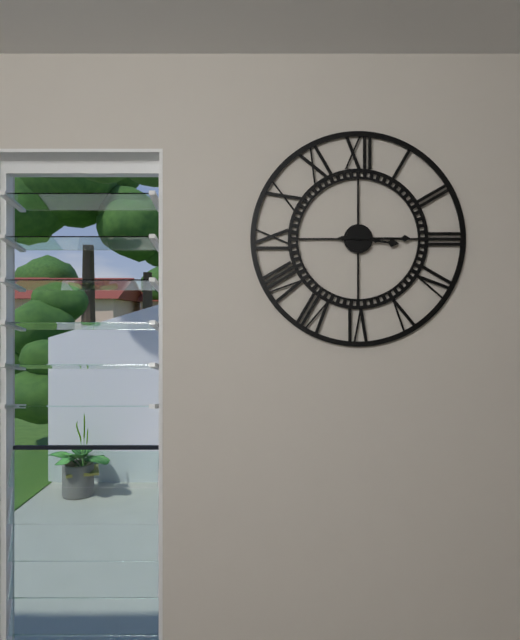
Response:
{"hour": 3, "minute": 15}
